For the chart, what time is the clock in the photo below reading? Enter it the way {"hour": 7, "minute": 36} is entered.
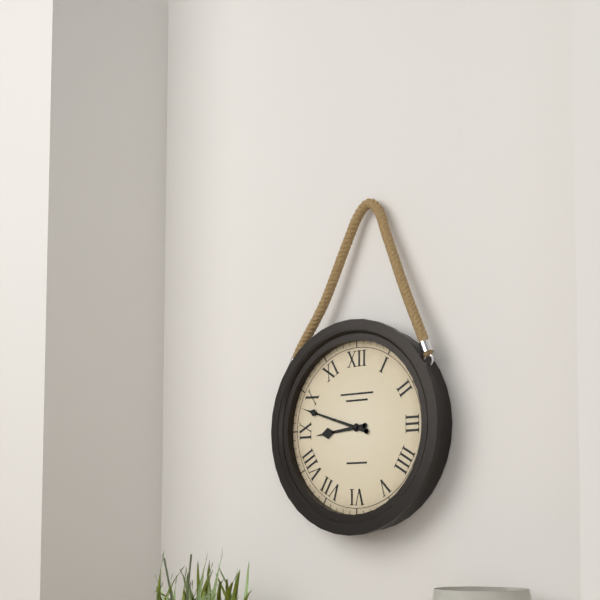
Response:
{"hour": 8, "minute": 48}
